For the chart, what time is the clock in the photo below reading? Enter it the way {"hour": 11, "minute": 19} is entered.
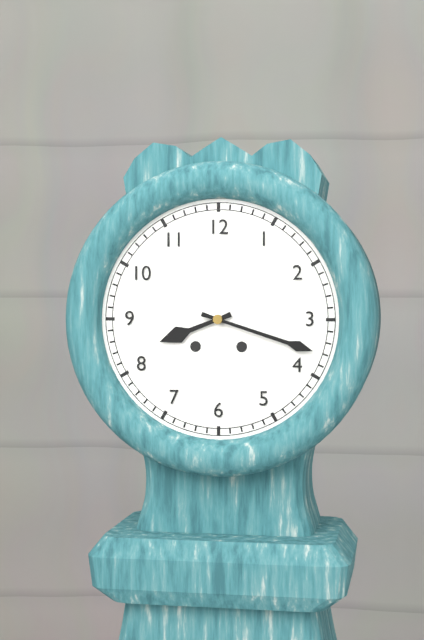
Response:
{"hour": 8, "minute": 18}
